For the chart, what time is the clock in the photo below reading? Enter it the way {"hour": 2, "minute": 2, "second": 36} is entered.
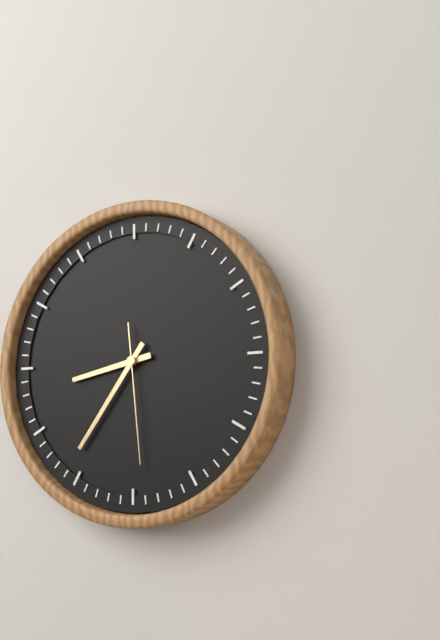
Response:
{"hour": 8, "minute": 36, "second": 29}
